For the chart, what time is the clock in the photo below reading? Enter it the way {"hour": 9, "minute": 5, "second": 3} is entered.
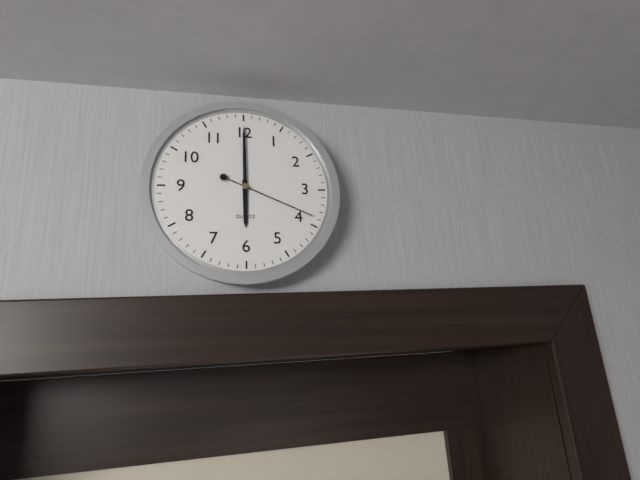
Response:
{"hour": 6, "minute": 0, "second": 19}
